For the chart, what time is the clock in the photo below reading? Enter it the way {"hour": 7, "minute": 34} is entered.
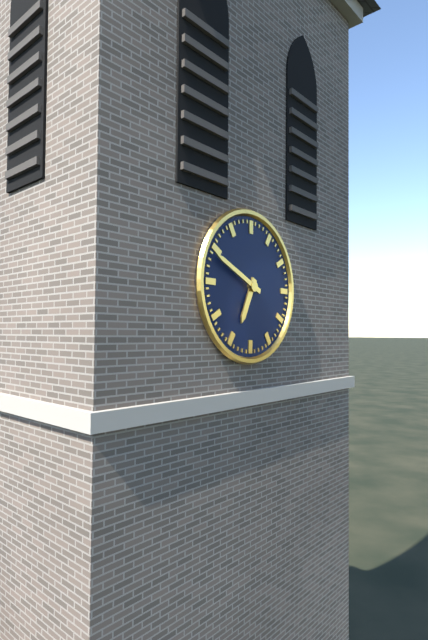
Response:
{"hour": 6, "minute": 49}
